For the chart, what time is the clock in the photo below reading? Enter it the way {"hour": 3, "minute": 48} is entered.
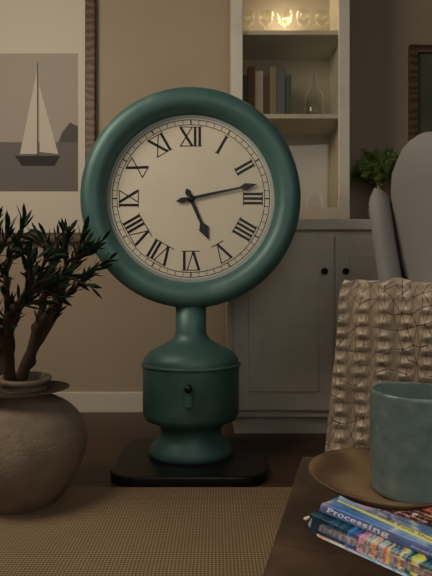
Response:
{"hour": 5, "minute": 13}
